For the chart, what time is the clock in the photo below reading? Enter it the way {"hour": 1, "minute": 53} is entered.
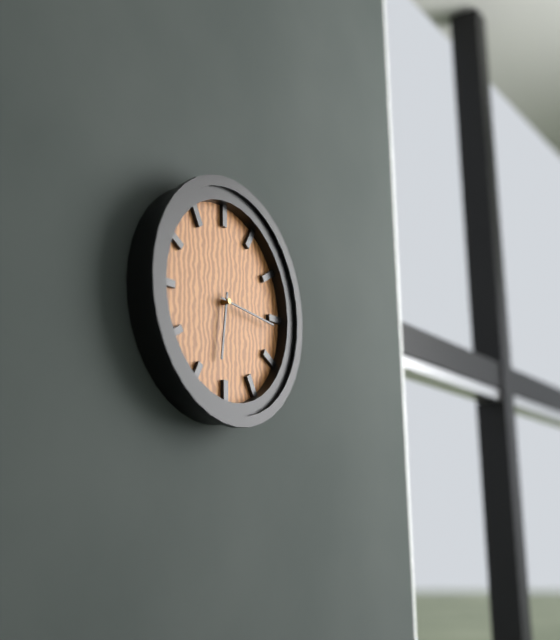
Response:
{"hour": 6, "minute": 16}
